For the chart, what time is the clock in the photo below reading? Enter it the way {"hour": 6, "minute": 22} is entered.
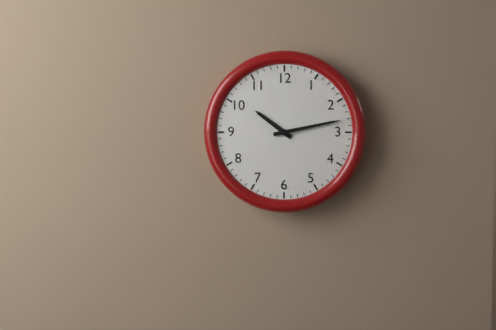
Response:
{"hour": 10, "minute": 13}
